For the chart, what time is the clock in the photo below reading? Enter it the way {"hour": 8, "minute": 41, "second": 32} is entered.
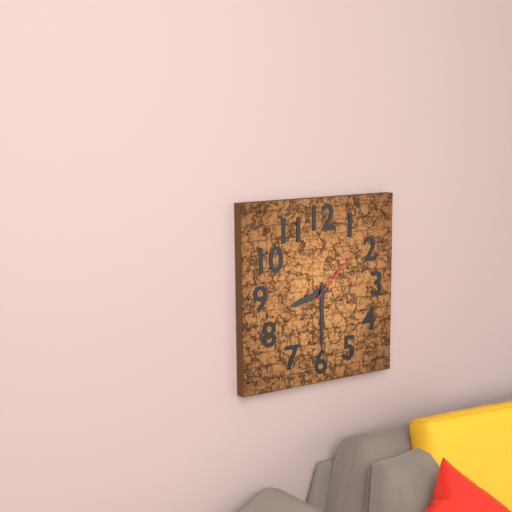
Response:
{"hour": 8, "minute": 30, "second": 8}
